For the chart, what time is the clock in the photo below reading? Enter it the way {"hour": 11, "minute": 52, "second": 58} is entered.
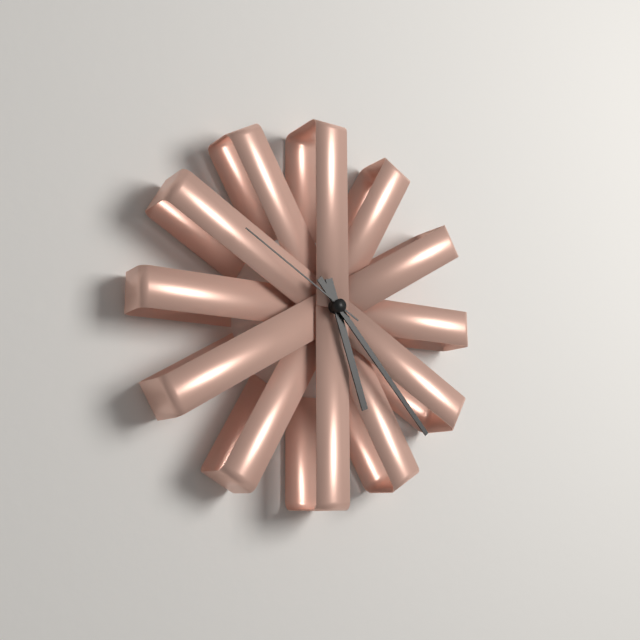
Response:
{"hour": 5, "minute": 23, "second": 50}
